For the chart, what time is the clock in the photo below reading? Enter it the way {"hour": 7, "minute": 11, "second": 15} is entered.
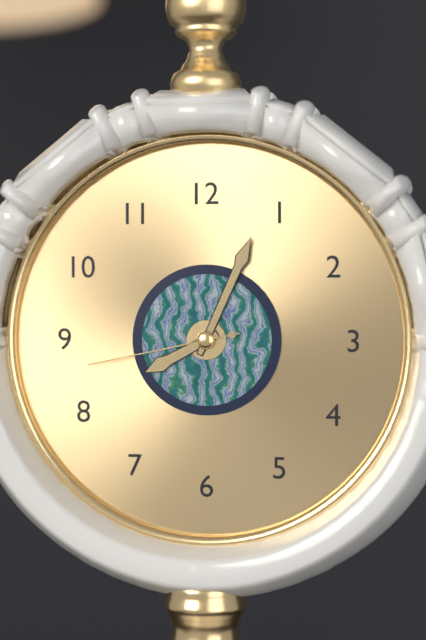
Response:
{"hour": 8, "minute": 4, "second": 43}
